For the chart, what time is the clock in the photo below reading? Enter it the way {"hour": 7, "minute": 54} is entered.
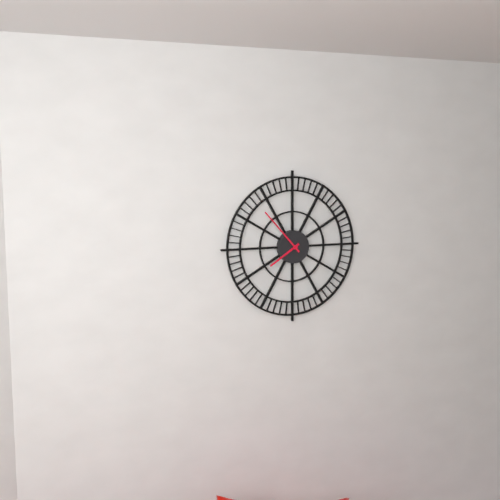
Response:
{"hour": 7, "minute": 53}
